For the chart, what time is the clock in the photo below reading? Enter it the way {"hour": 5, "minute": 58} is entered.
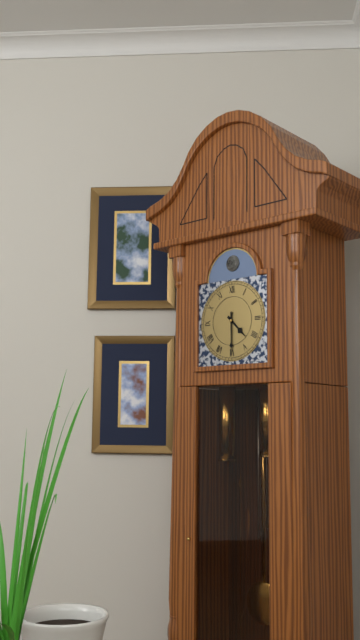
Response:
{"hour": 4, "minute": 30}
